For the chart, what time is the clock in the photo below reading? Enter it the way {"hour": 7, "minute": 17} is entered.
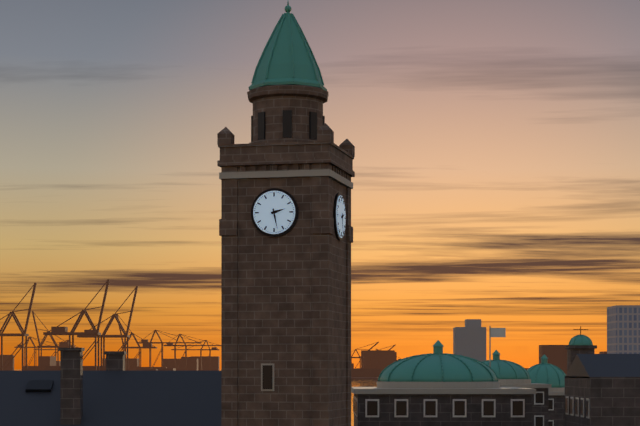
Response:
{"hour": 2, "minute": 28}
